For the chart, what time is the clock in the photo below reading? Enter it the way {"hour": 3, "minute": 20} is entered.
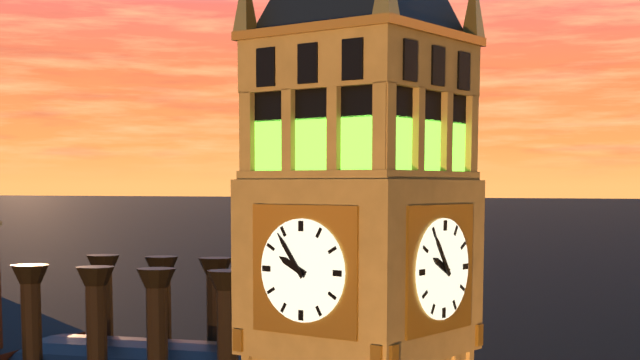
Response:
{"hour": 9, "minute": 54}
